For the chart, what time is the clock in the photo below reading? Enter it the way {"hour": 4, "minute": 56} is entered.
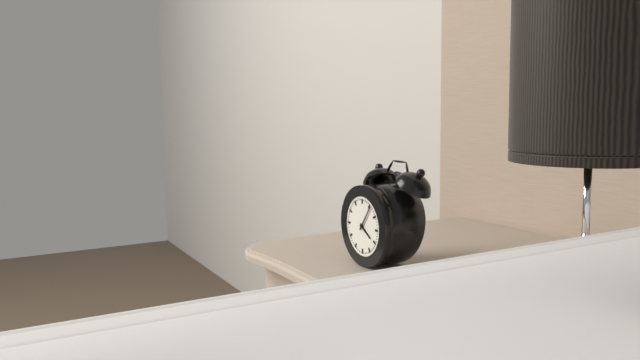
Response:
{"hour": 4, "minute": 6}
